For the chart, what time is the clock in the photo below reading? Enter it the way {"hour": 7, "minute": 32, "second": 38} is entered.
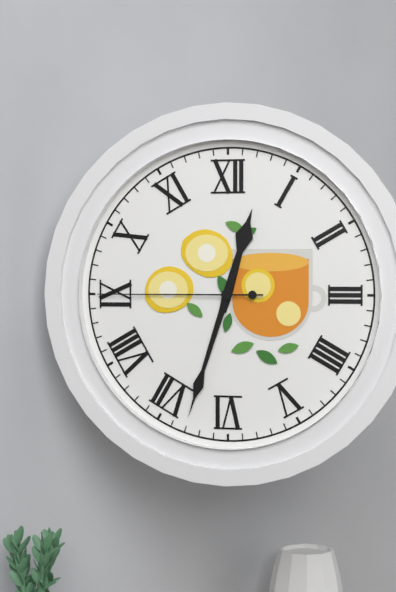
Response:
{"hour": 12, "minute": 33, "second": 45}
